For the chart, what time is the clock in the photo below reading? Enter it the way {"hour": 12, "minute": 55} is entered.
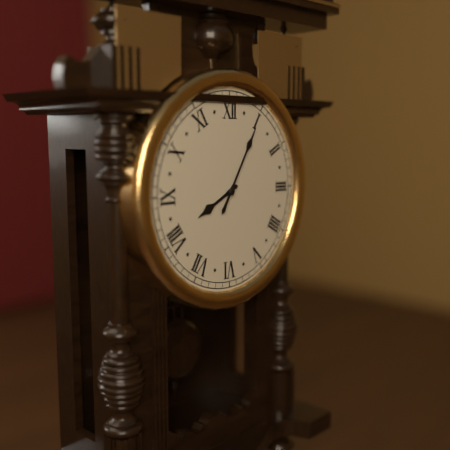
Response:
{"hour": 8, "minute": 5}
